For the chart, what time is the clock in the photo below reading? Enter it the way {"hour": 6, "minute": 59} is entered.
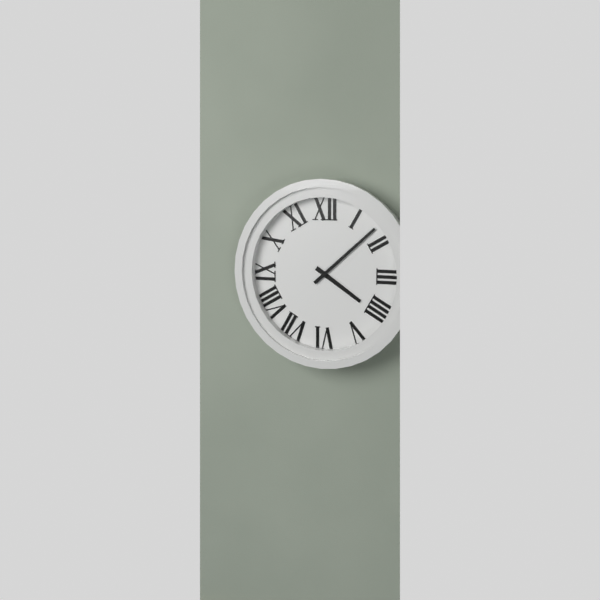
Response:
{"hour": 4, "minute": 8}
